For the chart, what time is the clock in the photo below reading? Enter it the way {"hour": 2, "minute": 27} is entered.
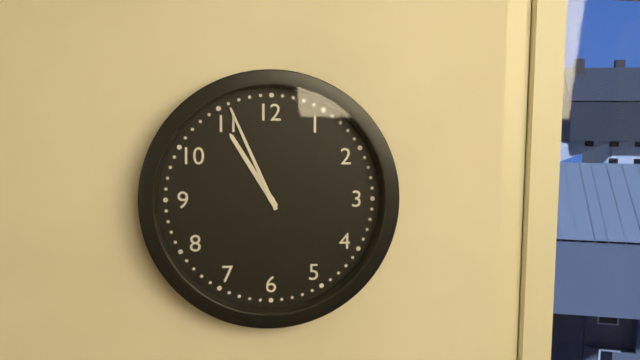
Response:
{"hour": 10, "minute": 56}
